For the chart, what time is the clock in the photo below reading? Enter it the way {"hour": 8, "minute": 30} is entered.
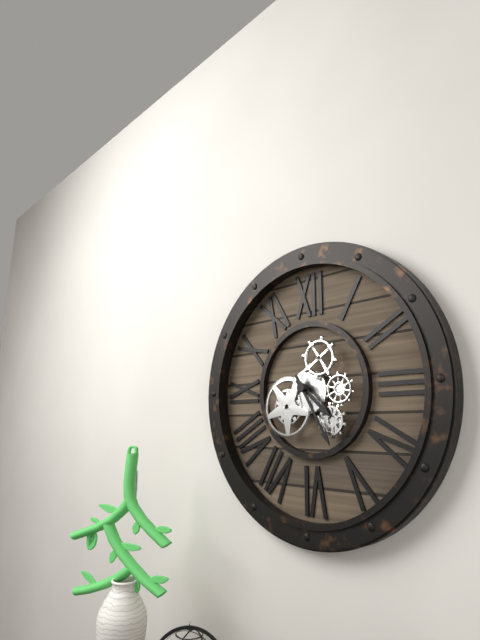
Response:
{"hour": 4, "minute": 25}
